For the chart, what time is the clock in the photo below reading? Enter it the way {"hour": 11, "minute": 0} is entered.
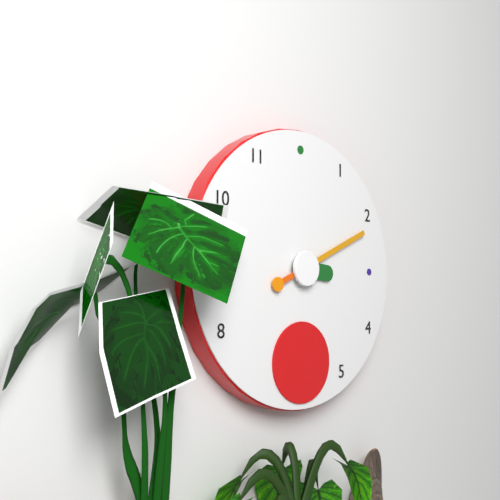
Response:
{"hour": 3, "minute": 11}
